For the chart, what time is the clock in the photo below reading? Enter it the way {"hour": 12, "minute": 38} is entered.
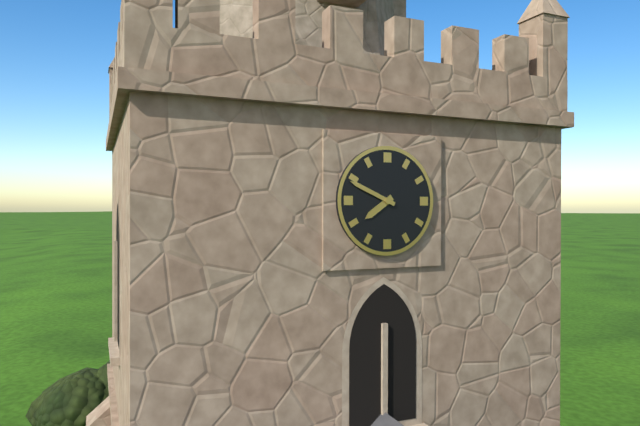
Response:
{"hour": 7, "minute": 49}
